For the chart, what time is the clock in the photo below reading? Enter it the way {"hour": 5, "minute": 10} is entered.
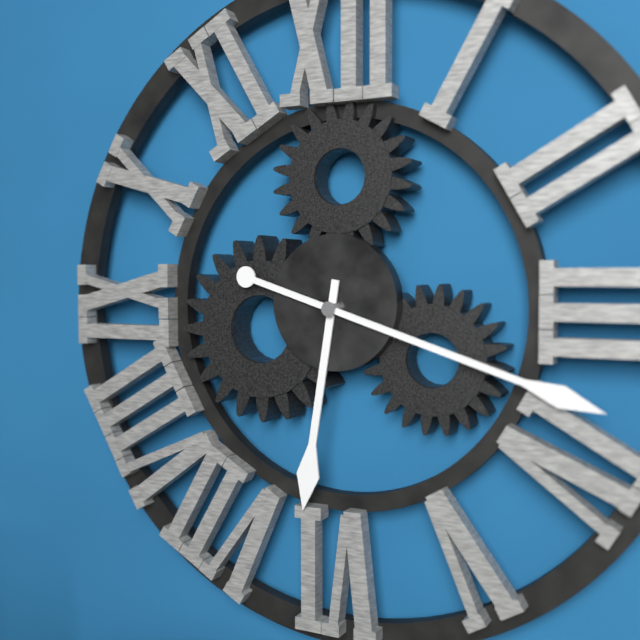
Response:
{"hour": 6, "minute": 18}
